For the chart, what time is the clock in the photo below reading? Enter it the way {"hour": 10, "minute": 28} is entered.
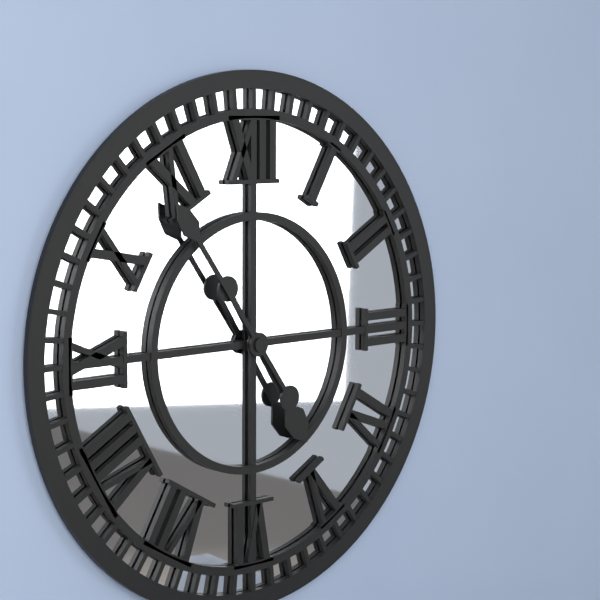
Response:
{"hour": 4, "minute": 54}
